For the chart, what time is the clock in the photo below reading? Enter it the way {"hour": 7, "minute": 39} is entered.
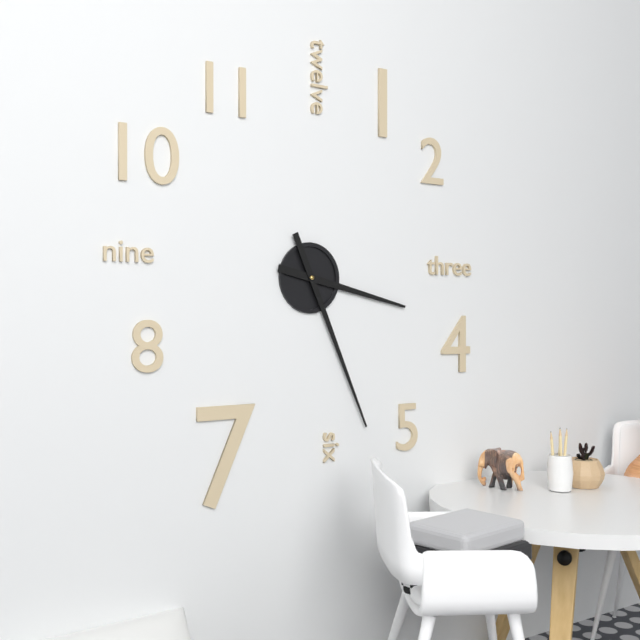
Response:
{"hour": 3, "minute": 26}
